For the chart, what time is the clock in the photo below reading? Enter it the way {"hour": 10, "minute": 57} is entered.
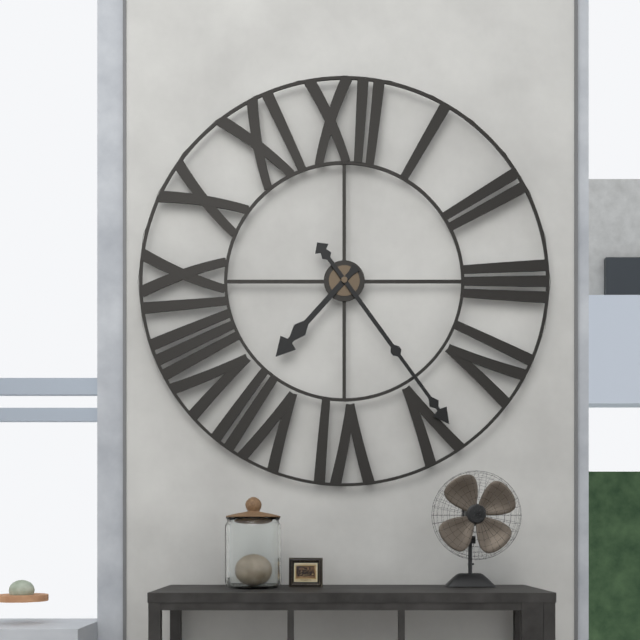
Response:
{"hour": 7, "minute": 24}
